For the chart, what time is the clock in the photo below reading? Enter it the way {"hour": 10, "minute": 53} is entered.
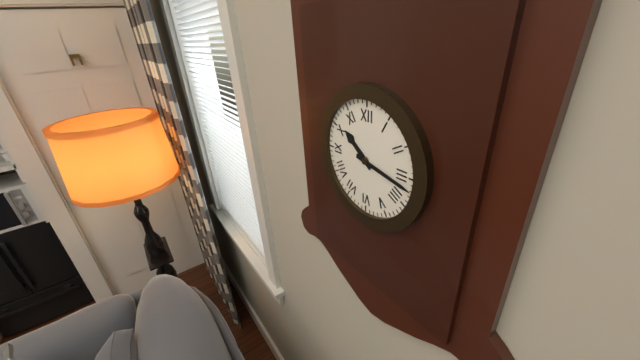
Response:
{"hour": 10, "minute": 17}
